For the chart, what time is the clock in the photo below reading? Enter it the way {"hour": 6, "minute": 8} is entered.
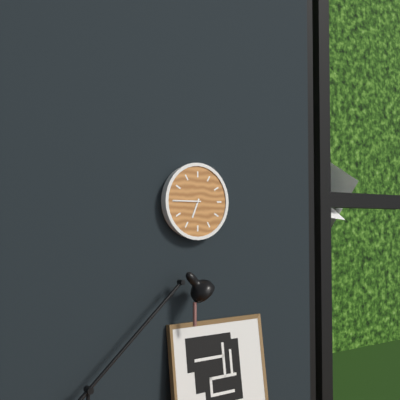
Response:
{"hour": 6, "minute": 45}
